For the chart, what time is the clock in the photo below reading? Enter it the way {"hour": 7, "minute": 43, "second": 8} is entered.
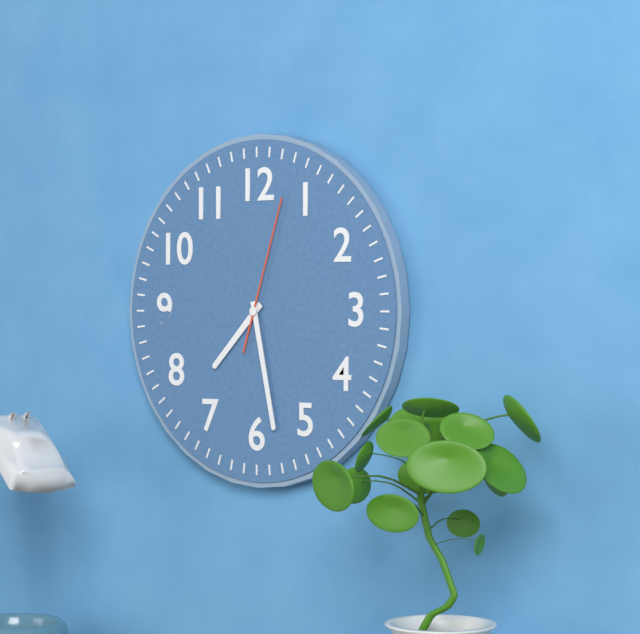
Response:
{"hour": 7, "minute": 28, "second": 3}
